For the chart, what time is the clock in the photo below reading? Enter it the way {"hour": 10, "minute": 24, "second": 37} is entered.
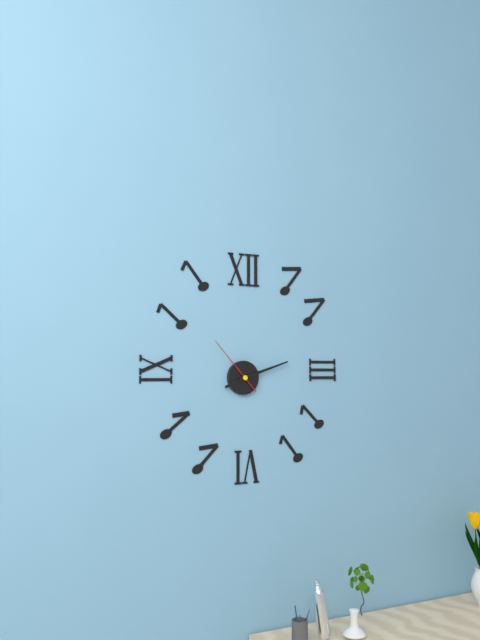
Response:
{"hour": 8, "minute": 12, "second": 53}
